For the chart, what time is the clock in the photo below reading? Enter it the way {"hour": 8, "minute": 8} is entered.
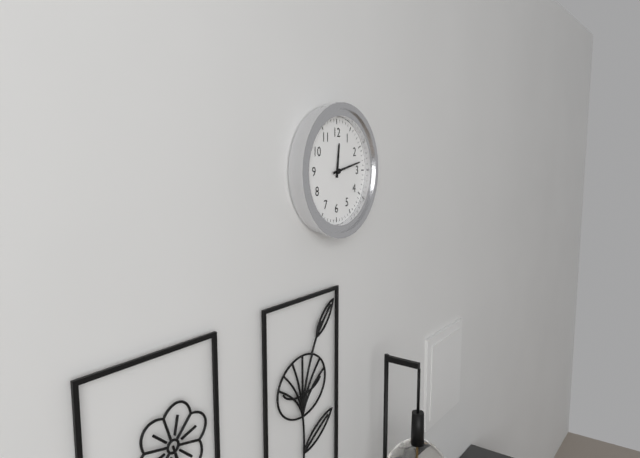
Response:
{"hour": 12, "minute": 13}
